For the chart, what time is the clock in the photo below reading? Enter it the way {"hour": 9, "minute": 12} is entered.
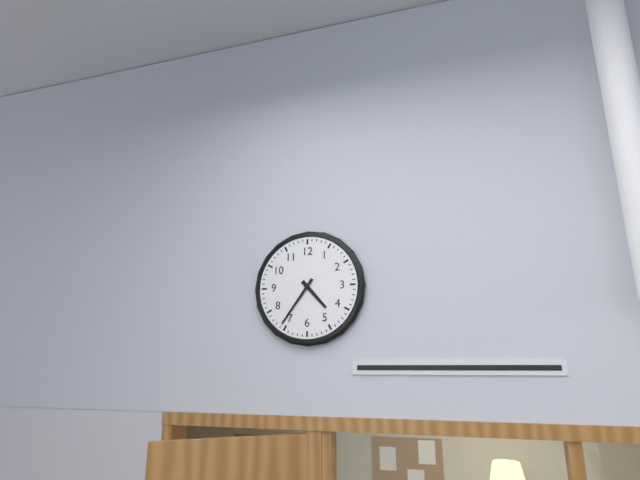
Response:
{"hour": 4, "minute": 36}
